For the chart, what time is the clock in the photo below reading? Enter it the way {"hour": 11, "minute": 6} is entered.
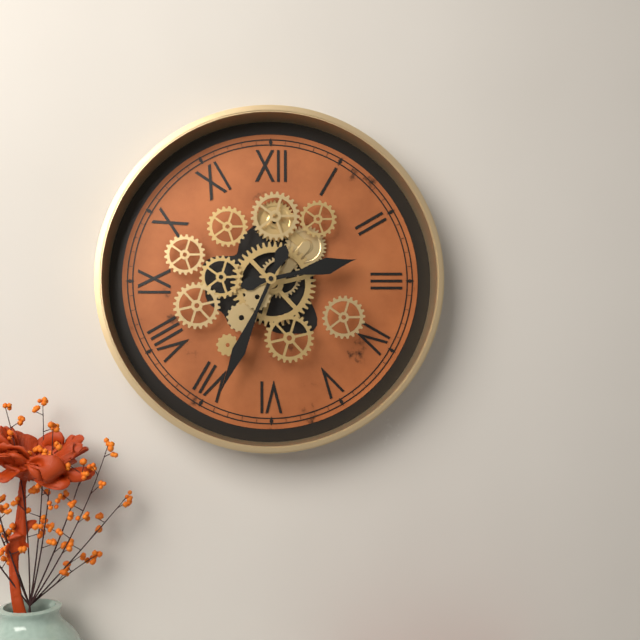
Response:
{"hour": 2, "minute": 34}
